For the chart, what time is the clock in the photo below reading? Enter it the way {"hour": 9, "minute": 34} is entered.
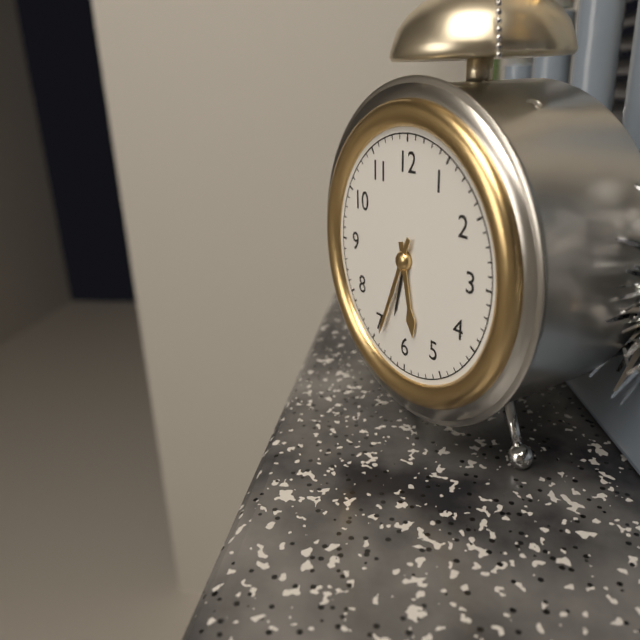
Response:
{"hour": 5, "minute": 34}
